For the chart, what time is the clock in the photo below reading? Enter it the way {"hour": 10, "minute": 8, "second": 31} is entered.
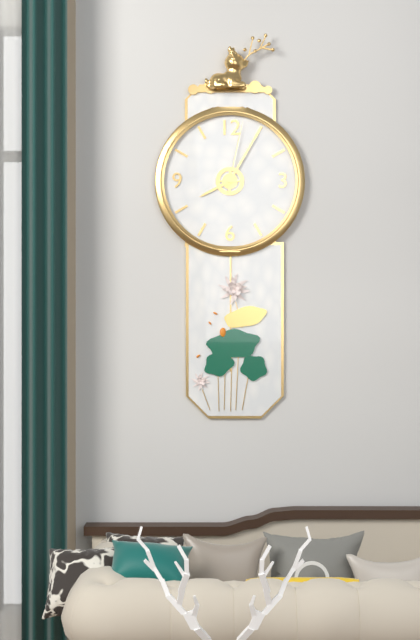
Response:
{"hour": 8, "minute": 5, "second": 2}
